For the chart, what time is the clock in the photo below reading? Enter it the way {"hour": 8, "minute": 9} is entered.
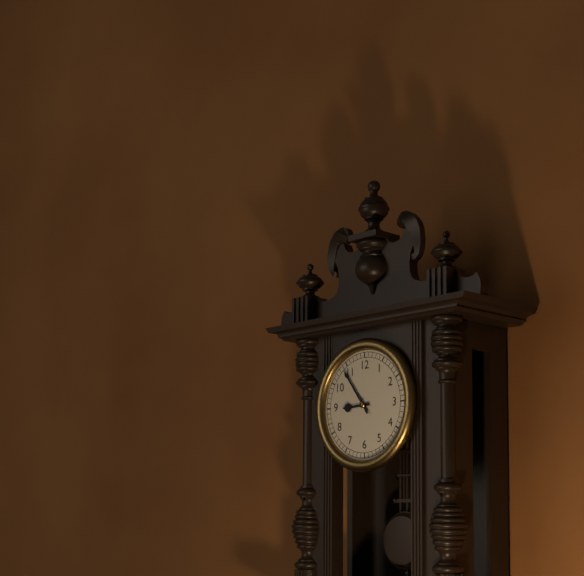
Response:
{"hour": 8, "minute": 54}
